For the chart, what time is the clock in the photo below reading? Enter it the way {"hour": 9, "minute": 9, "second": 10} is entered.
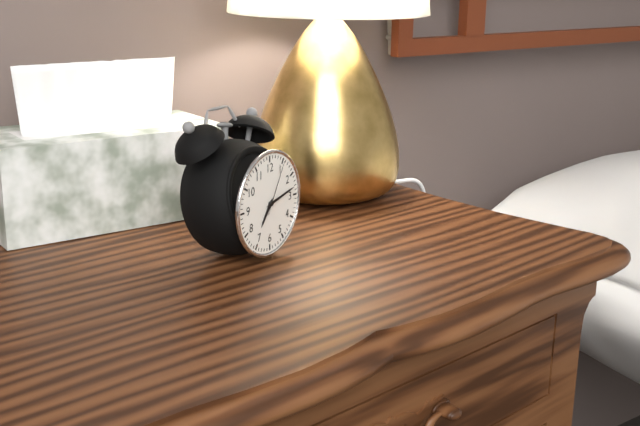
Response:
{"hour": 7, "minute": 13, "second": 5}
